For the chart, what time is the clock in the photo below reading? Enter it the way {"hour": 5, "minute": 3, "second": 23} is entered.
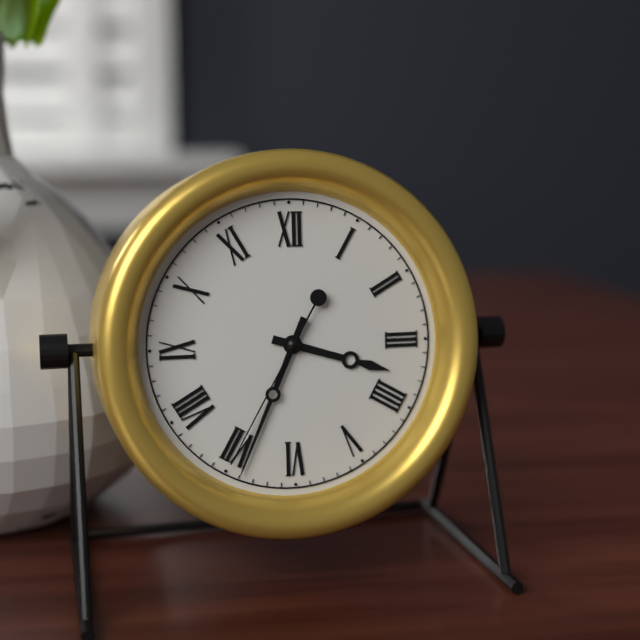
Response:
{"hour": 3, "minute": 34, "second": 35}
